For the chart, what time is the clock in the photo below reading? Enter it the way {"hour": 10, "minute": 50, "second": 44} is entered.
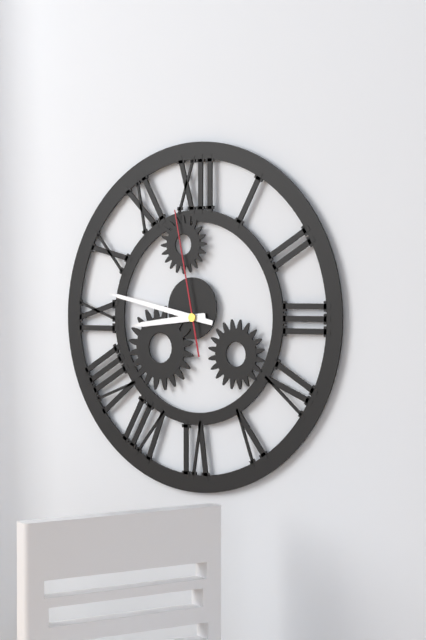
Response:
{"hour": 8, "minute": 47, "second": 58}
